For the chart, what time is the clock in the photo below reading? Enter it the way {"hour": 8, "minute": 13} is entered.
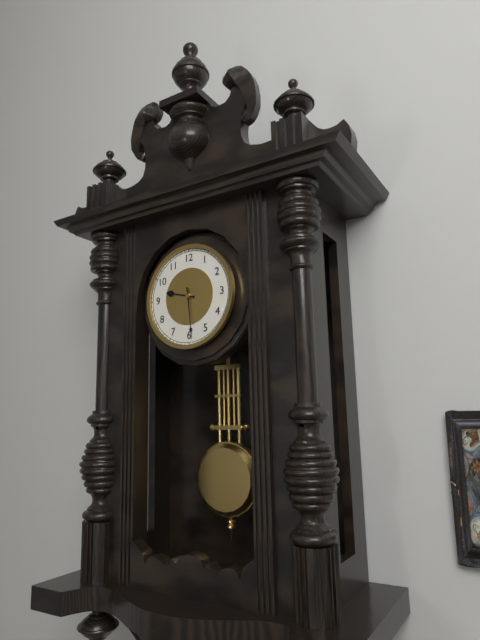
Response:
{"hour": 9, "minute": 29}
